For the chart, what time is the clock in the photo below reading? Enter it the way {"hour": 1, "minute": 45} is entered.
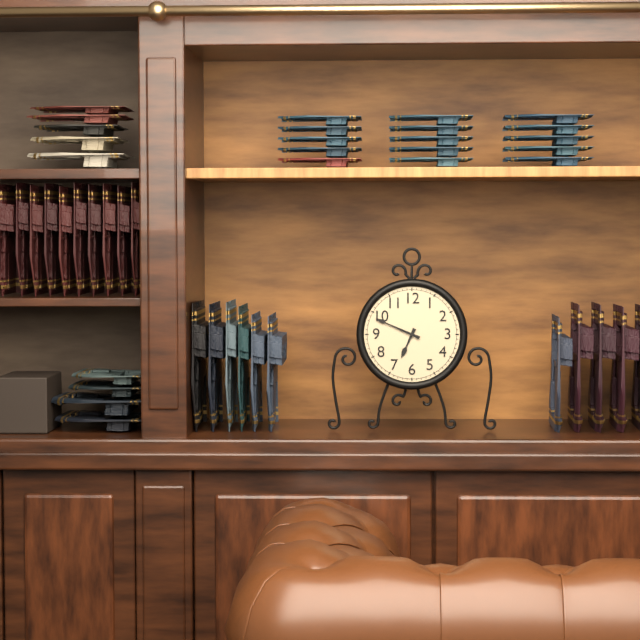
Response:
{"hour": 6, "minute": 49}
